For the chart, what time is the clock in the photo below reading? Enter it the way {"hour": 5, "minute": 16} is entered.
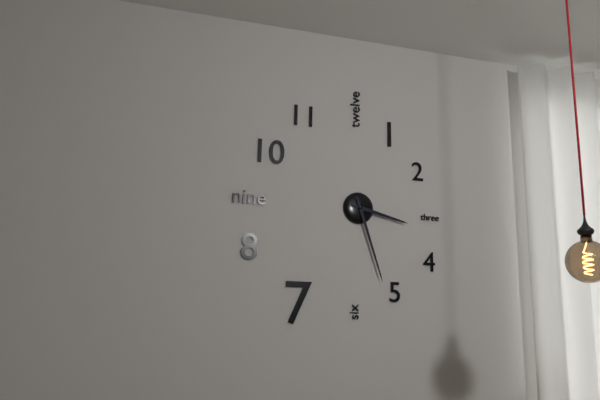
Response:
{"hour": 3, "minute": 27}
